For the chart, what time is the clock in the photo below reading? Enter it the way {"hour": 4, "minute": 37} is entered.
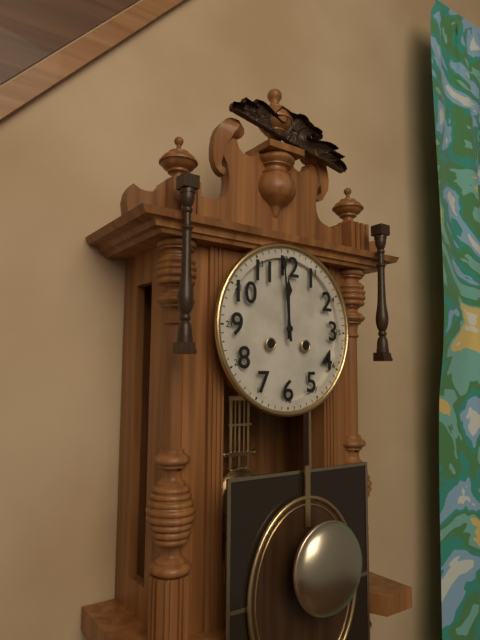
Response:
{"hour": 11, "minute": 59}
